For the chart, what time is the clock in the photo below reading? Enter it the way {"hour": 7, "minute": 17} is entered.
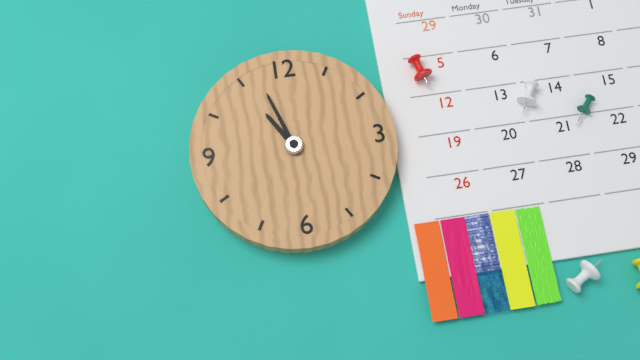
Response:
{"hour": 10, "minute": 57}
